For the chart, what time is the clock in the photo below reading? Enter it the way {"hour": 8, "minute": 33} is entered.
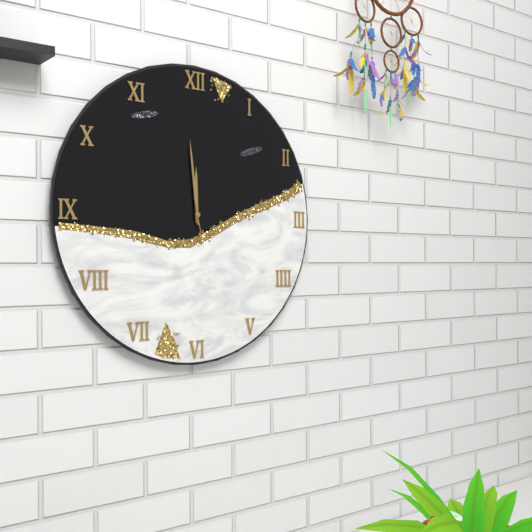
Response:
{"hour": 11, "minute": 59}
